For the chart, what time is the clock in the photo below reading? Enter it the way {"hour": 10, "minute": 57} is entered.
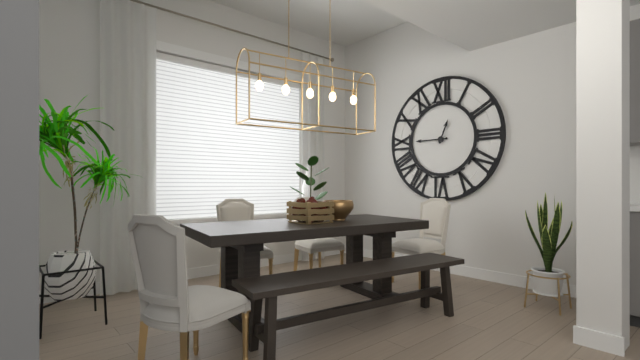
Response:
{"hour": 12, "minute": 45}
